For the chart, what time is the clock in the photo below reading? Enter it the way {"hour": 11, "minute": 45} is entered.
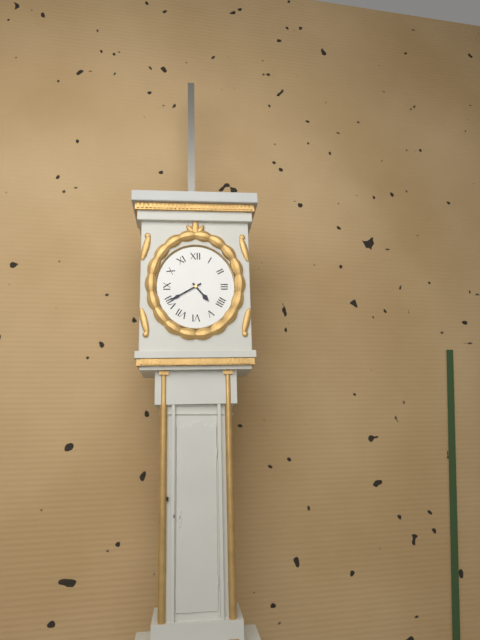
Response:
{"hour": 4, "minute": 40}
